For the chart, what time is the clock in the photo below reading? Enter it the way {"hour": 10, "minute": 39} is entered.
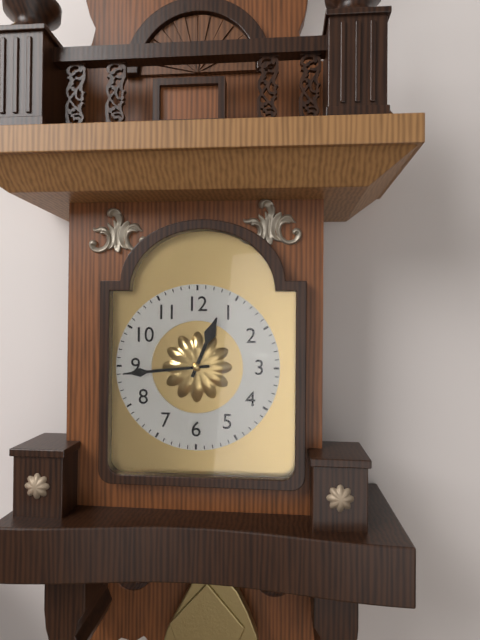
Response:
{"hour": 12, "minute": 44}
